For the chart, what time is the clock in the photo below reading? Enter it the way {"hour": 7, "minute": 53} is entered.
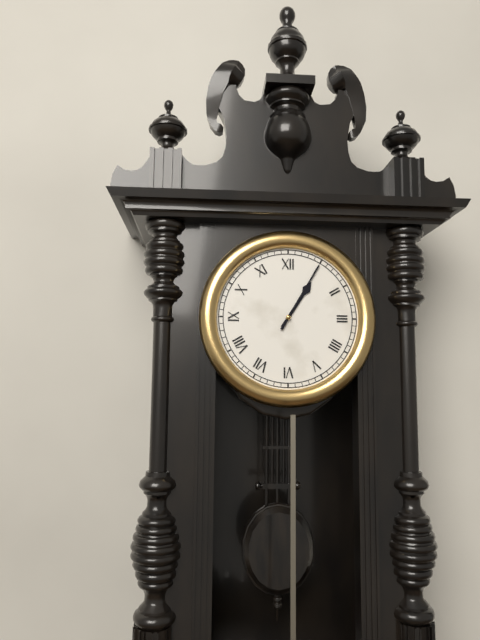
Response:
{"hour": 1, "minute": 5}
